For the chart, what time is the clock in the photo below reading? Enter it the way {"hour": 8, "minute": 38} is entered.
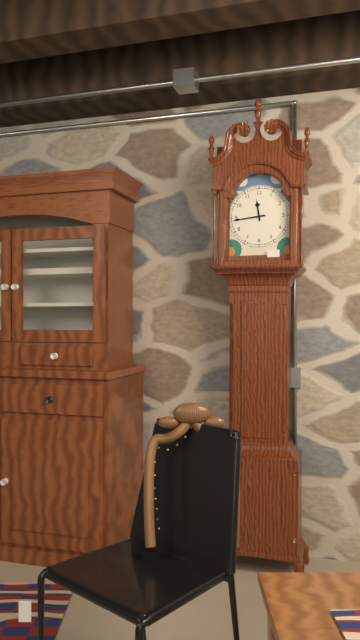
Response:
{"hour": 11, "minute": 44}
